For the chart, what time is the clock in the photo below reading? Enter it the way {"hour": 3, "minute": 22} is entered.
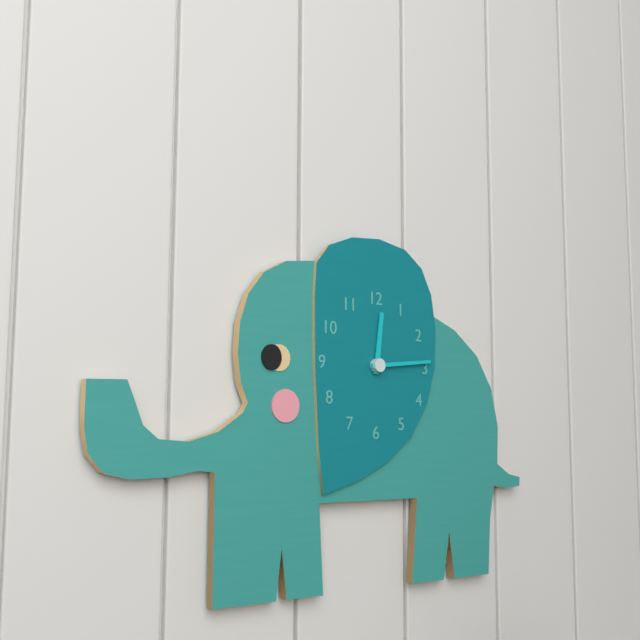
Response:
{"hour": 12, "minute": 14}
